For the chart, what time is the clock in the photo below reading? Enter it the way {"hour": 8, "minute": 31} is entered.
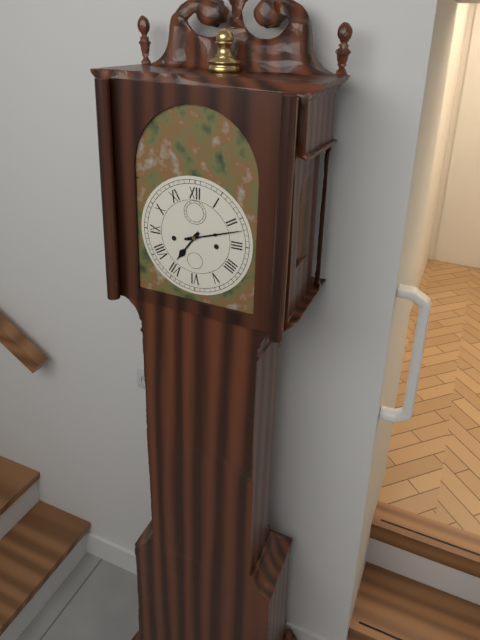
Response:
{"hour": 7, "minute": 12}
